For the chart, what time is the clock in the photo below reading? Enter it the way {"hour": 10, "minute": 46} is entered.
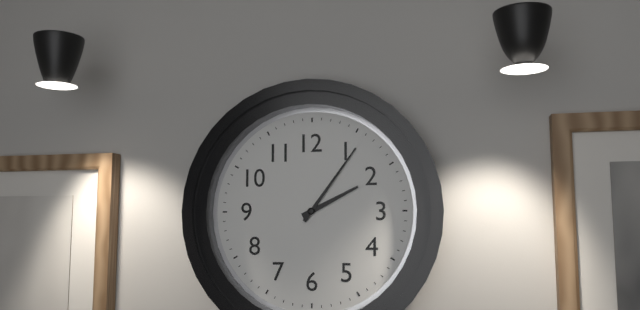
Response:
{"hour": 2, "minute": 6}
